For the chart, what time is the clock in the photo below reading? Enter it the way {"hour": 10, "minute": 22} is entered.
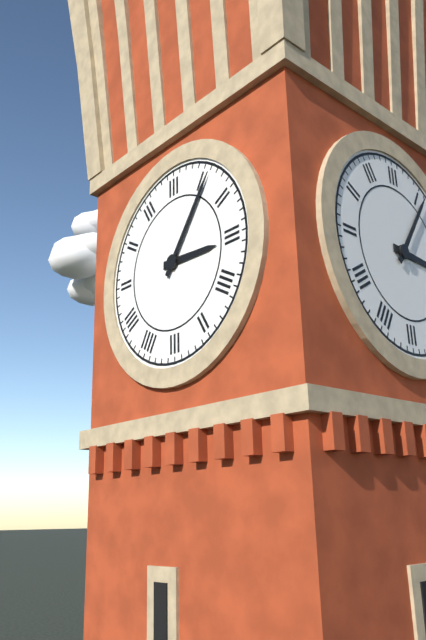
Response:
{"hour": 3, "minute": 6}
